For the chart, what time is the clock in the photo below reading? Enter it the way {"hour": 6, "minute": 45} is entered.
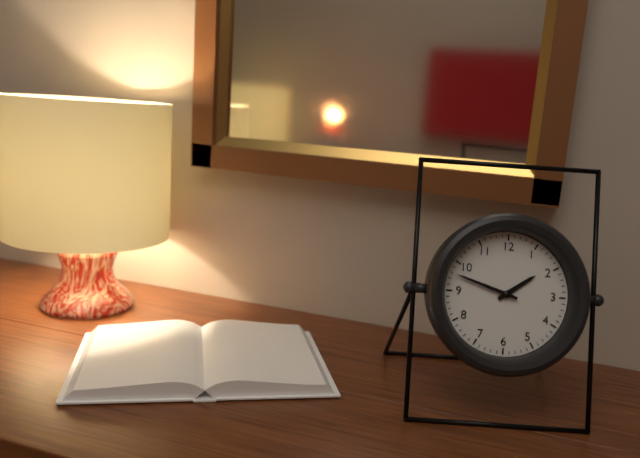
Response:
{"hour": 1, "minute": 48}
